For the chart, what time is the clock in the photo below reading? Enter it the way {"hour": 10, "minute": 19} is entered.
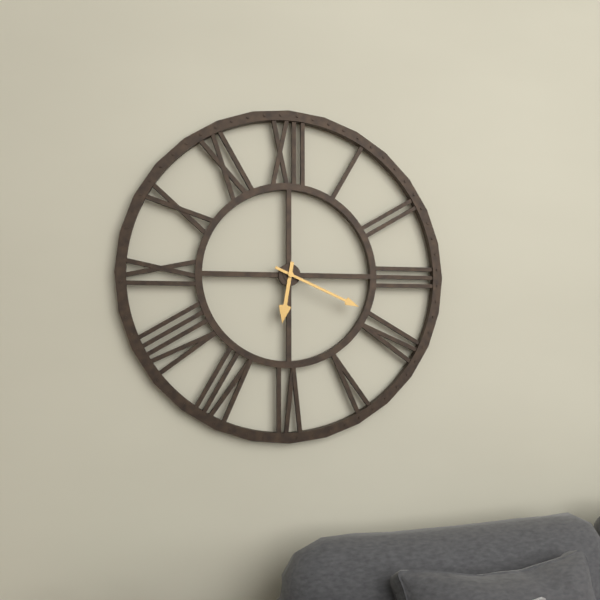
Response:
{"hour": 6, "minute": 19}
